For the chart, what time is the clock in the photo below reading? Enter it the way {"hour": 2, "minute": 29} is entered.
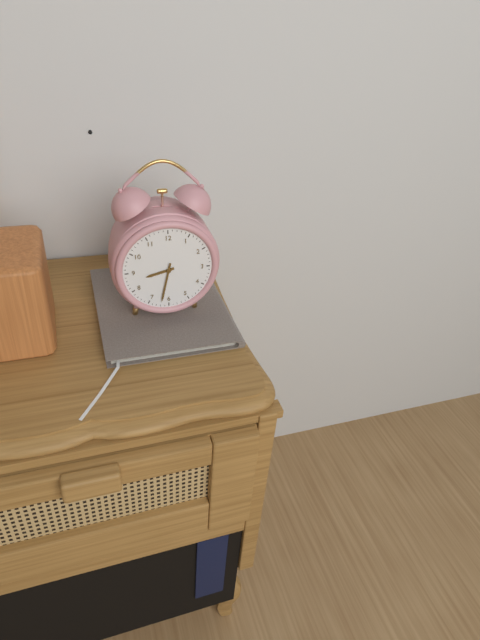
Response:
{"hour": 8, "minute": 32}
